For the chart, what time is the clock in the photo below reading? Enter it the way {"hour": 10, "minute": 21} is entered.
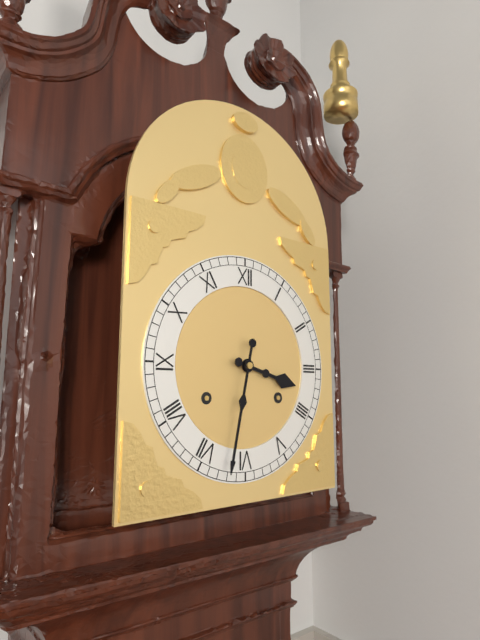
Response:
{"hour": 3, "minute": 32}
